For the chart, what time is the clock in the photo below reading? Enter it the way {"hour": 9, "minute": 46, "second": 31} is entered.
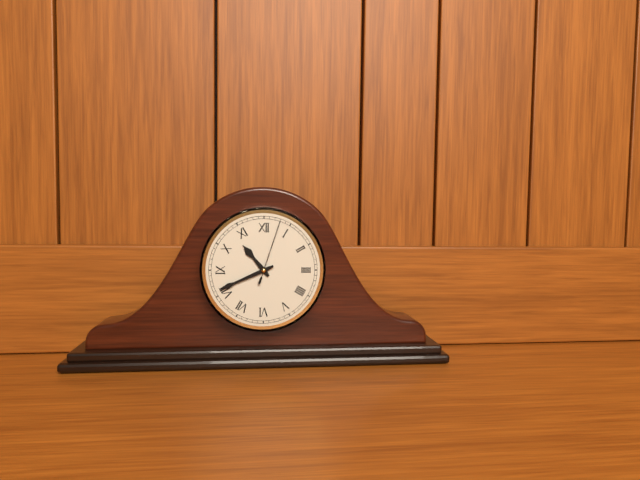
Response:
{"hour": 10, "minute": 41, "second": 3}
